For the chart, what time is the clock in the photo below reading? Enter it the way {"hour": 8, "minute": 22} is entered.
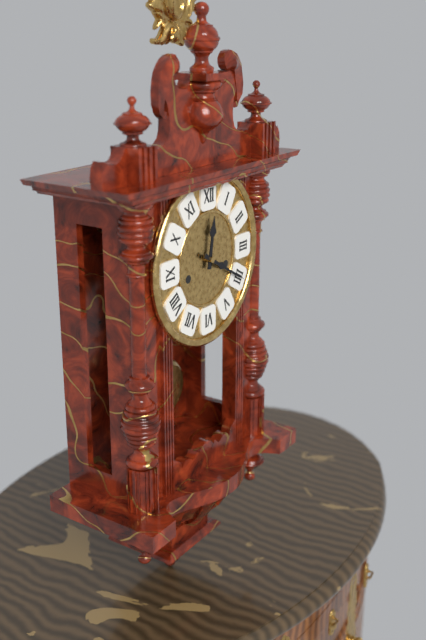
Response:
{"hour": 12, "minute": 20}
